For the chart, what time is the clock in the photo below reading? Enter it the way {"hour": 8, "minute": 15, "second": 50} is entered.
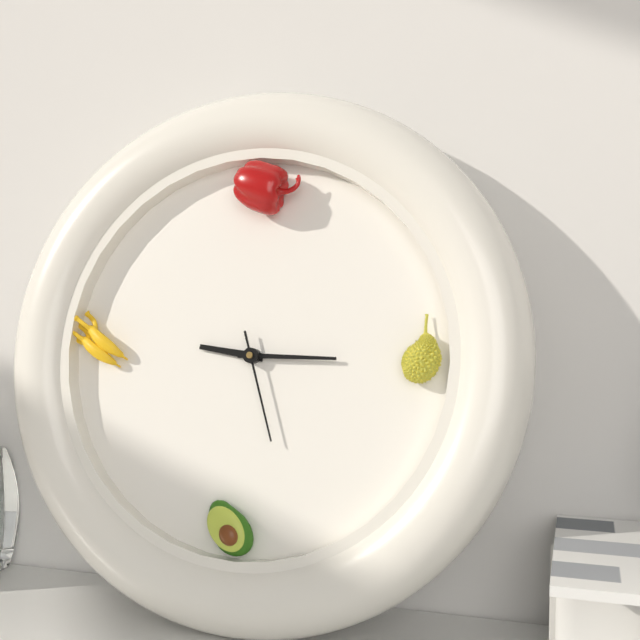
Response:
{"hour": 9, "minute": 15, "second": 27}
